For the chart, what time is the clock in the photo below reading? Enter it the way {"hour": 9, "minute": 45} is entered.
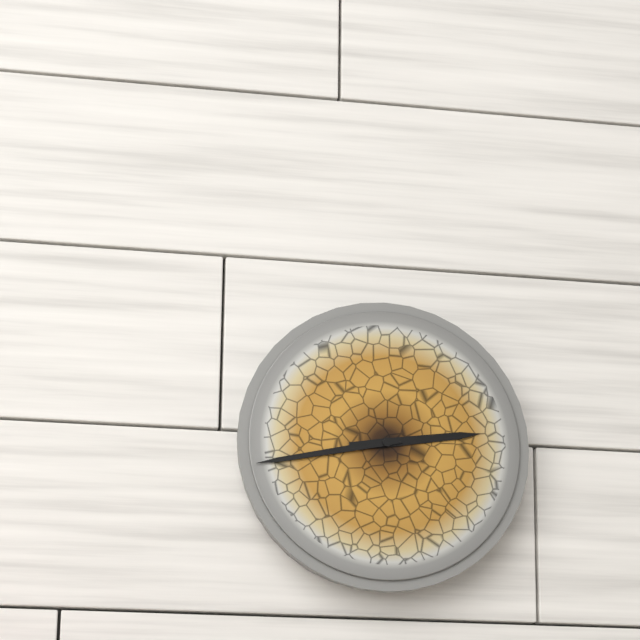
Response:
{"hour": 2, "minute": 43}
